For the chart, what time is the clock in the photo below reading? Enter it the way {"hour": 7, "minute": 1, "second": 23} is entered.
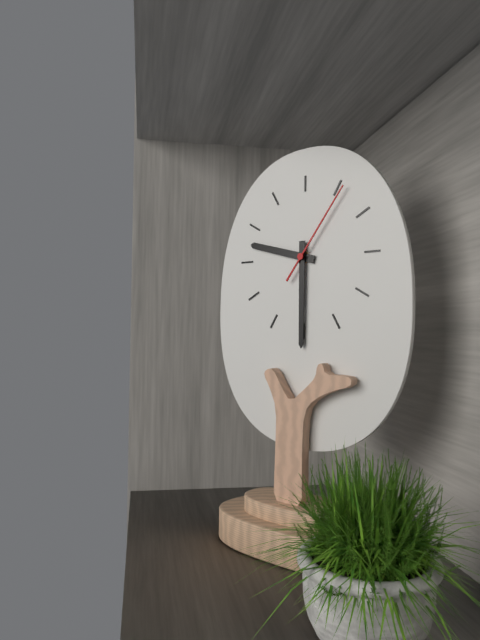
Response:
{"hour": 9, "minute": 30, "second": 6}
